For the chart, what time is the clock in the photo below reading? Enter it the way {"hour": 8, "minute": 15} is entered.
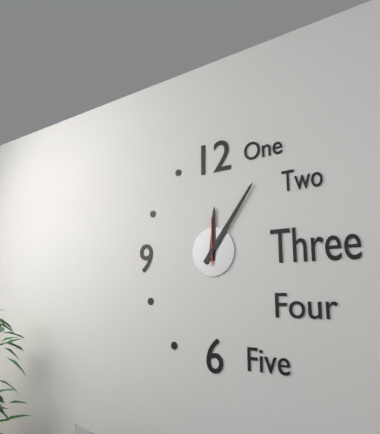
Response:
{"hour": 12, "minute": 6}
